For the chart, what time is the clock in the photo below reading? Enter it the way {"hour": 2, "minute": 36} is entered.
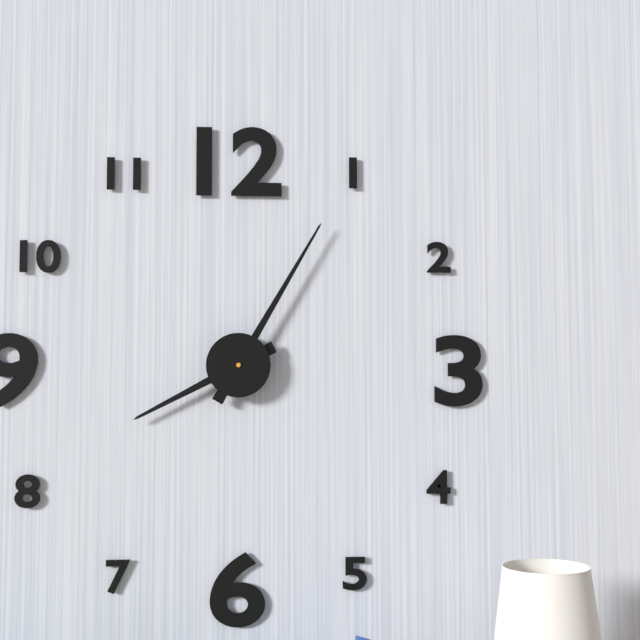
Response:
{"hour": 8, "minute": 5}
